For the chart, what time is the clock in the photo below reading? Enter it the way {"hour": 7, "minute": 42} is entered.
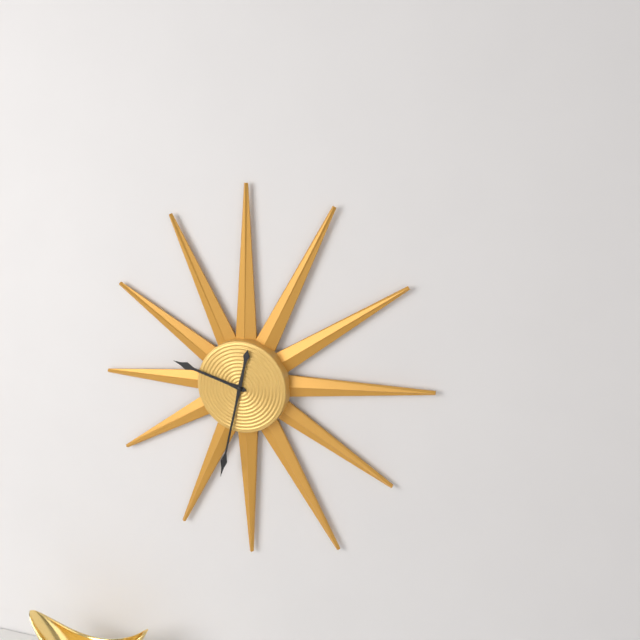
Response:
{"hour": 9, "minute": 32}
